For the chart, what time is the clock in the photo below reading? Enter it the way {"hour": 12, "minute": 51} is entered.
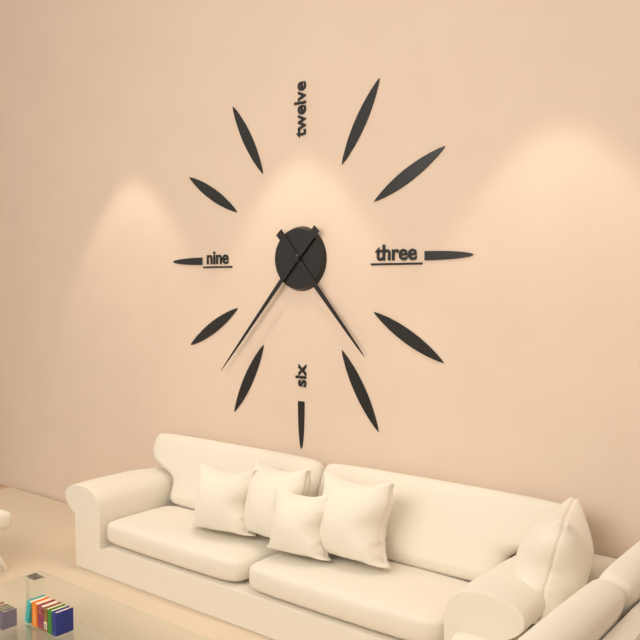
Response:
{"hour": 4, "minute": 37}
